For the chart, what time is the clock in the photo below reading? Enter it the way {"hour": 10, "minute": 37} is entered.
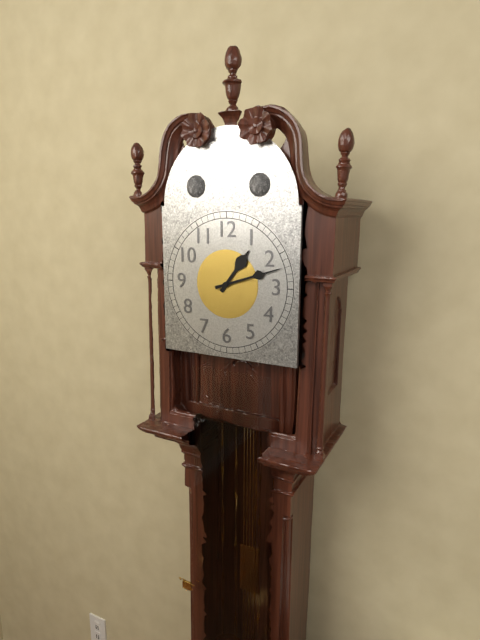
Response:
{"hour": 1, "minute": 12}
